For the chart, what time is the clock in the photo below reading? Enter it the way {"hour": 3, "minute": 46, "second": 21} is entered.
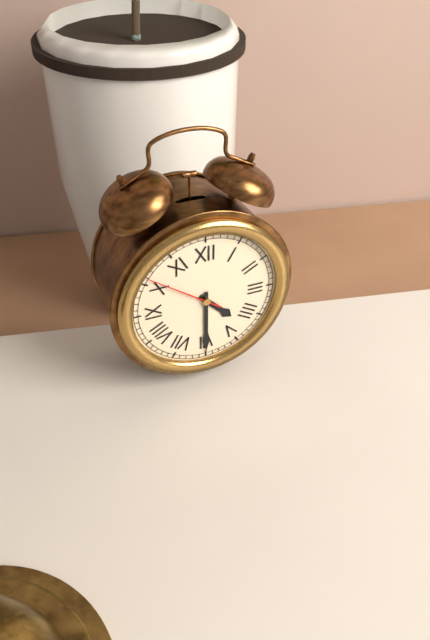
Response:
{"hour": 4, "minute": 30, "second": 51}
